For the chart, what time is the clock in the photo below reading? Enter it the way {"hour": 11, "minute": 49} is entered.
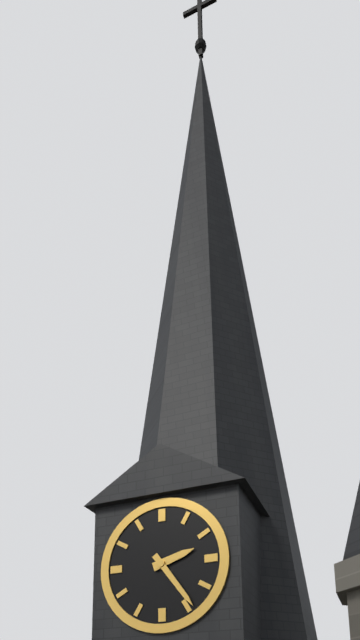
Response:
{"hour": 2, "minute": 24}
